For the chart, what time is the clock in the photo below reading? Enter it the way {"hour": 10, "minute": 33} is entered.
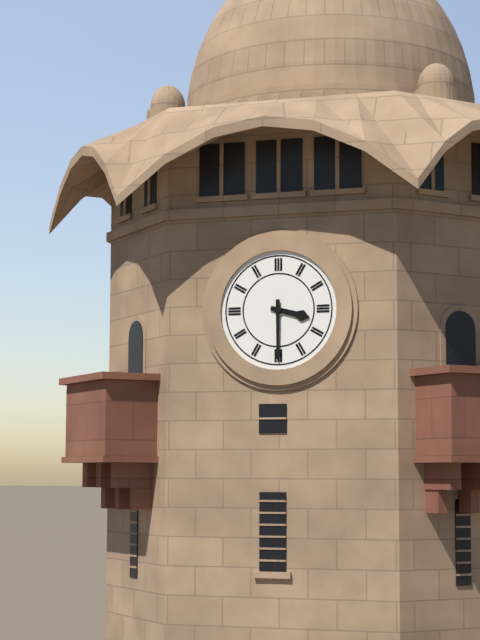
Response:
{"hour": 3, "minute": 30}
